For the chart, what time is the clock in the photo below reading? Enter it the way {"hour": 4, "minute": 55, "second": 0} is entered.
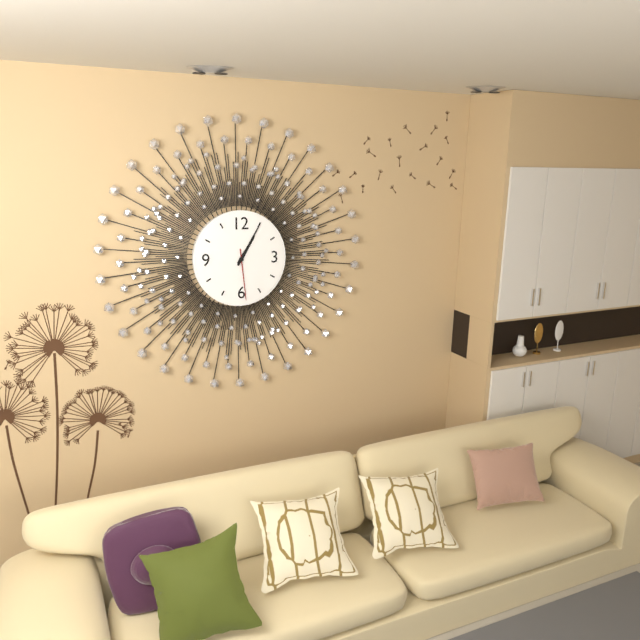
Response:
{"hour": 1, "minute": 5, "second": 29}
